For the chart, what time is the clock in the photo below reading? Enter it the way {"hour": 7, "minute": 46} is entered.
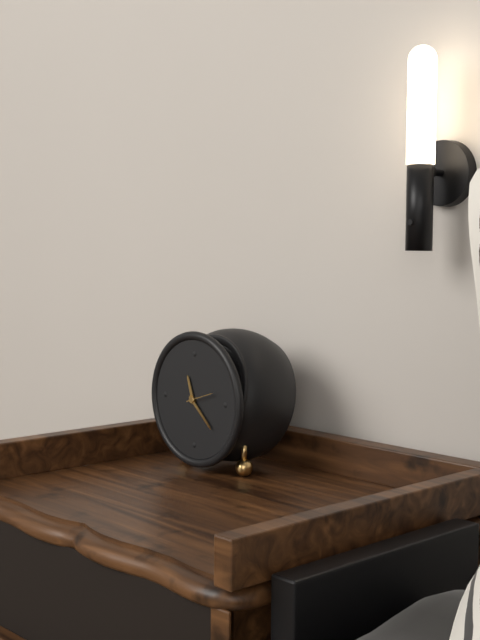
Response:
{"hour": 11, "minute": 22}
